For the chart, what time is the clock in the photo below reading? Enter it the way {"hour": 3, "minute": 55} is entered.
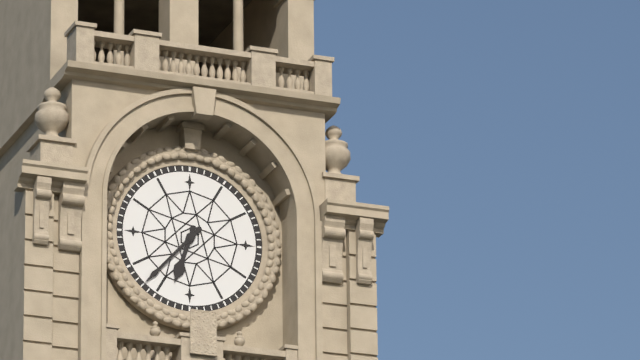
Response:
{"hour": 6, "minute": 37}
